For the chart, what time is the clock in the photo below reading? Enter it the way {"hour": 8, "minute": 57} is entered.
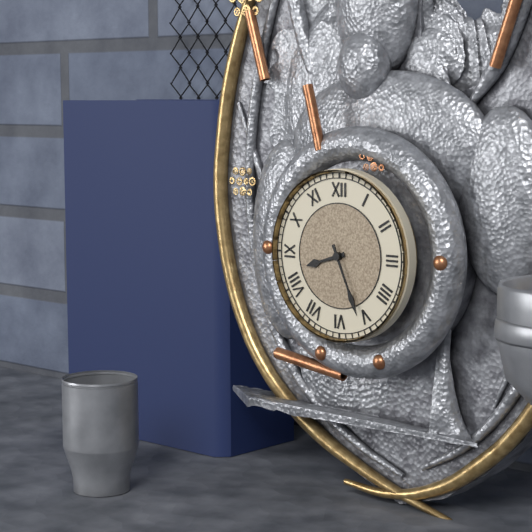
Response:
{"hour": 8, "minute": 26}
